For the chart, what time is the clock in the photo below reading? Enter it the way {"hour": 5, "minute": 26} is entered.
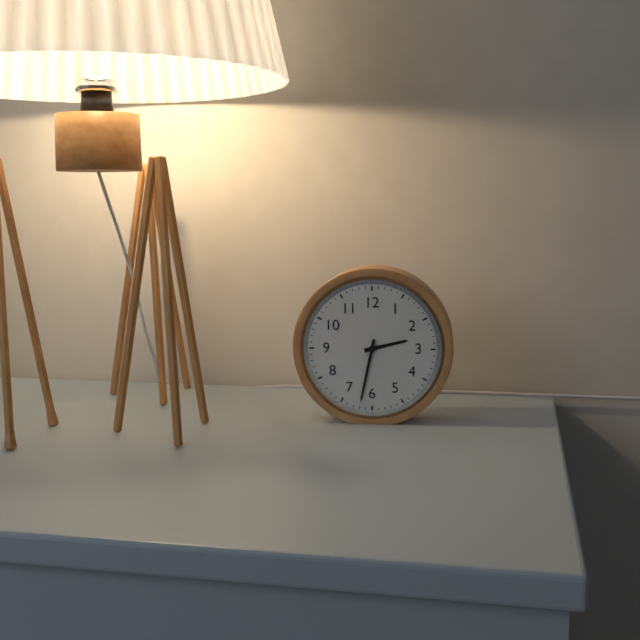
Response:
{"hour": 2, "minute": 32}
